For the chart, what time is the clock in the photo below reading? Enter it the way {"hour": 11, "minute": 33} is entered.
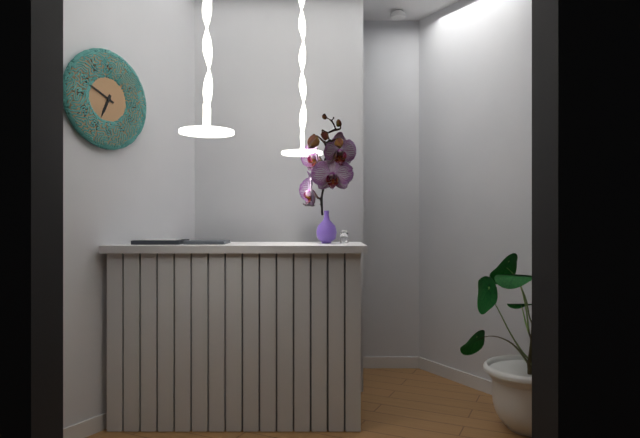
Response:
{"hour": 6, "minute": 49}
